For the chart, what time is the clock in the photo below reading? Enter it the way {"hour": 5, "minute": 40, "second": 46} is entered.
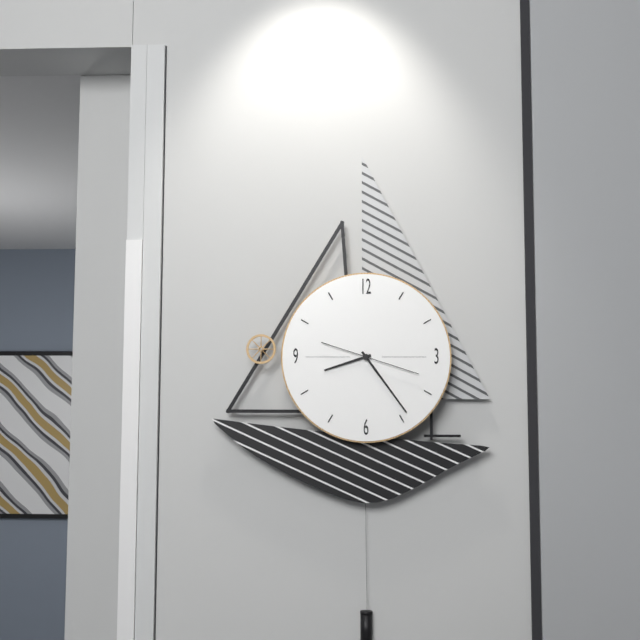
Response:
{"hour": 8, "minute": 24, "second": 18}
